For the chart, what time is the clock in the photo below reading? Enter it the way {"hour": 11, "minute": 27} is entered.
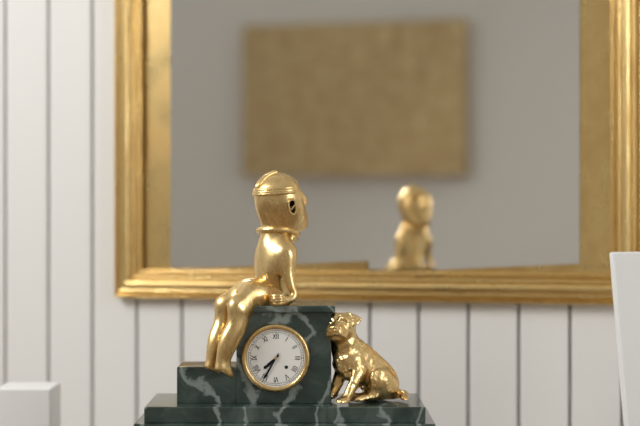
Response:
{"hour": 7, "minute": 35}
